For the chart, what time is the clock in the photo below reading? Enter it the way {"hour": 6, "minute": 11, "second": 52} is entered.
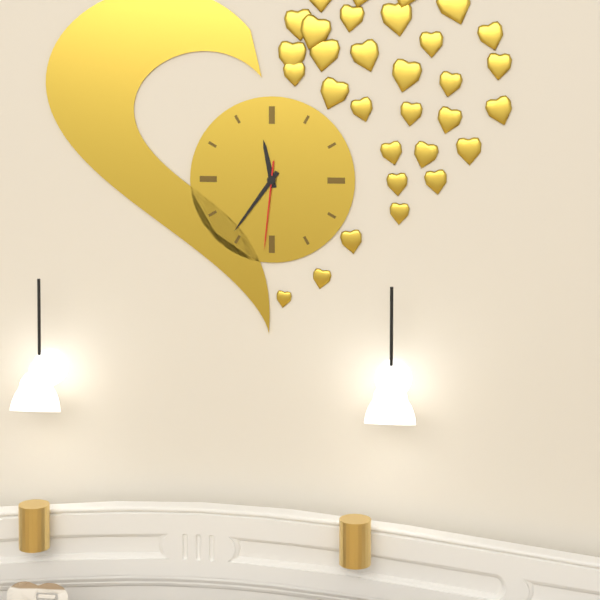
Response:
{"hour": 11, "minute": 36, "second": 31}
